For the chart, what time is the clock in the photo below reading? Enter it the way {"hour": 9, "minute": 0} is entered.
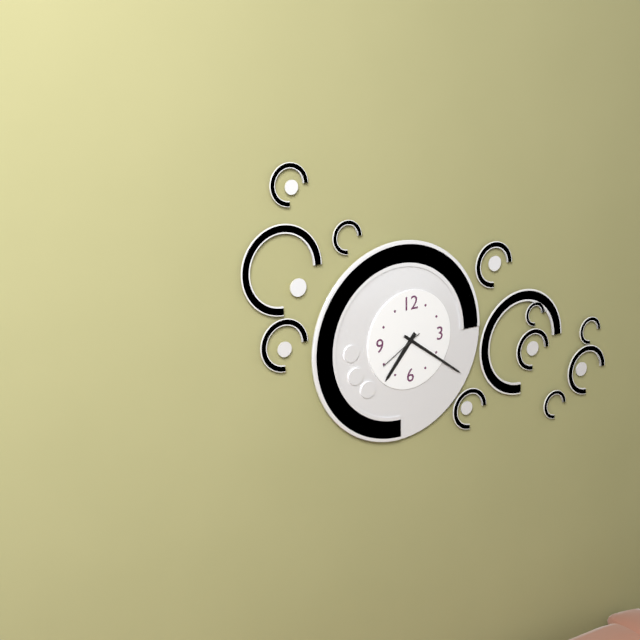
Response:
{"hour": 7, "minute": 21}
